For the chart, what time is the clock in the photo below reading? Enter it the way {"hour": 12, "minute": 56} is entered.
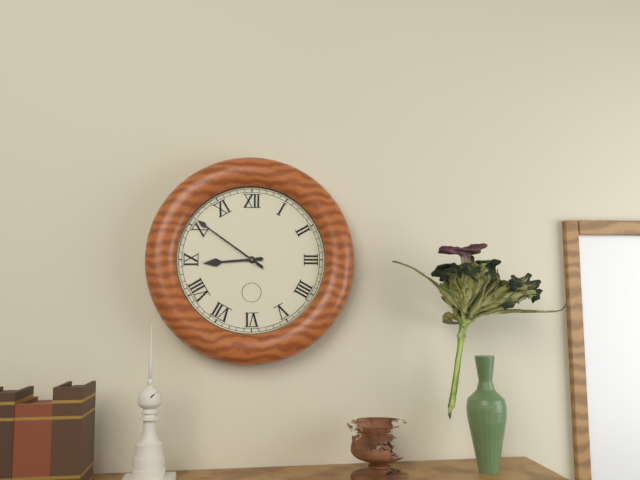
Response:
{"hour": 8, "minute": 51}
